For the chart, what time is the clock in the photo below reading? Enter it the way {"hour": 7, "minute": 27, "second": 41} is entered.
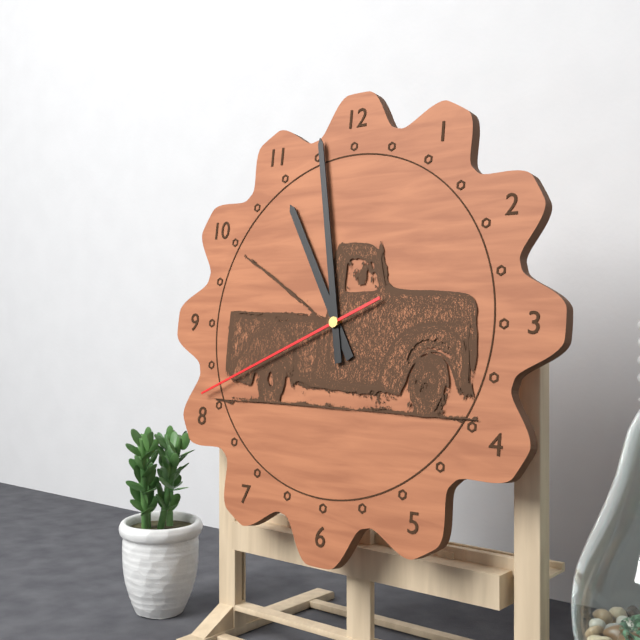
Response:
{"hour": 10, "minute": 58, "second": 41}
